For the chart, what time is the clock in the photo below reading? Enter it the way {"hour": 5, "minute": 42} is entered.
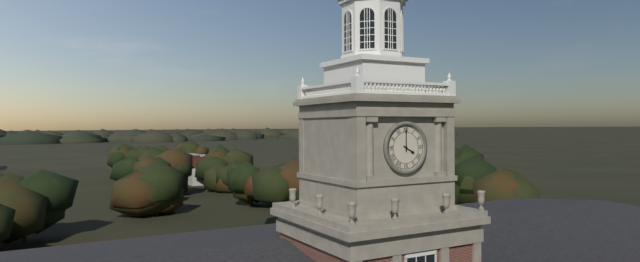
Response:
{"hour": 4, "minute": 0}
